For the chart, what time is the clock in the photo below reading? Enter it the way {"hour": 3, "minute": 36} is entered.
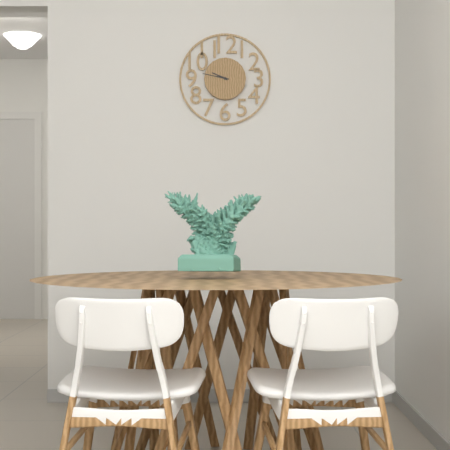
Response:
{"hour": 9, "minute": 47}
